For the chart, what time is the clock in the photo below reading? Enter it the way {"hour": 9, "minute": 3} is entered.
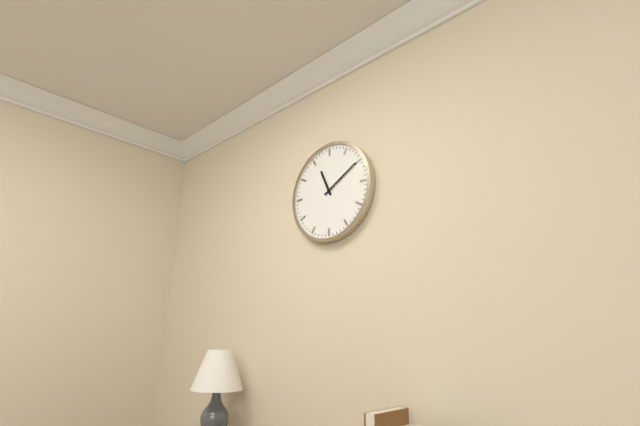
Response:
{"hour": 11, "minute": 10}
